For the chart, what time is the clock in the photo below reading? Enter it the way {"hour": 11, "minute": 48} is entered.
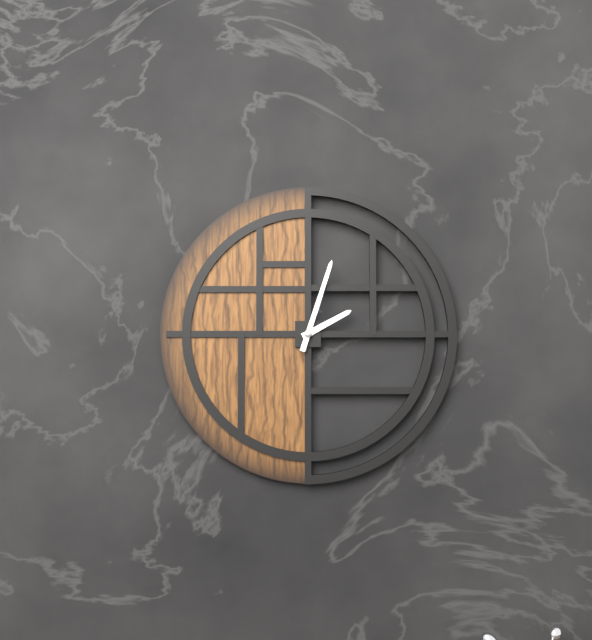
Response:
{"hour": 2, "minute": 3}
